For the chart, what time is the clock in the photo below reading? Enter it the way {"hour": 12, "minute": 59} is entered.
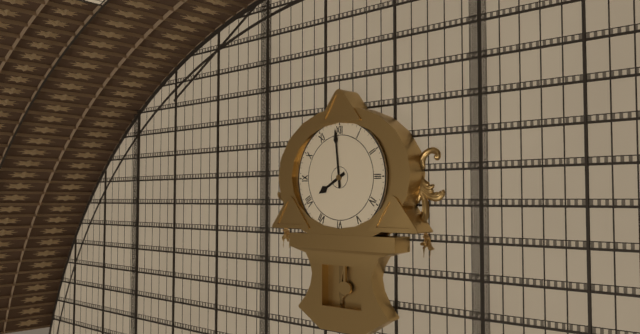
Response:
{"hour": 7, "minute": 59}
